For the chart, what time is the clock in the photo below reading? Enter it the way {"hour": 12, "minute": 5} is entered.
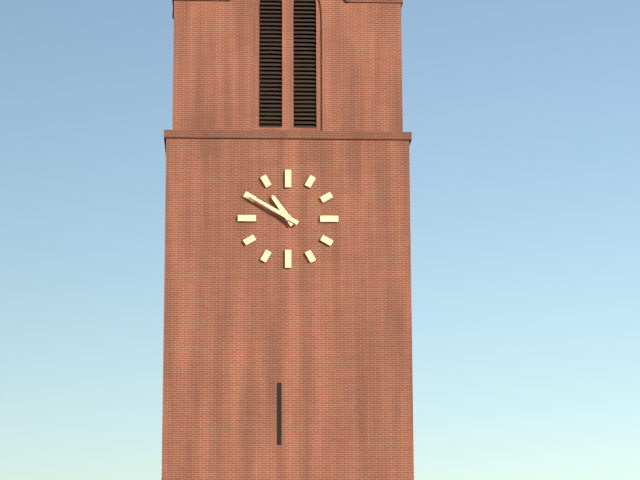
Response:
{"hour": 10, "minute": 50}
